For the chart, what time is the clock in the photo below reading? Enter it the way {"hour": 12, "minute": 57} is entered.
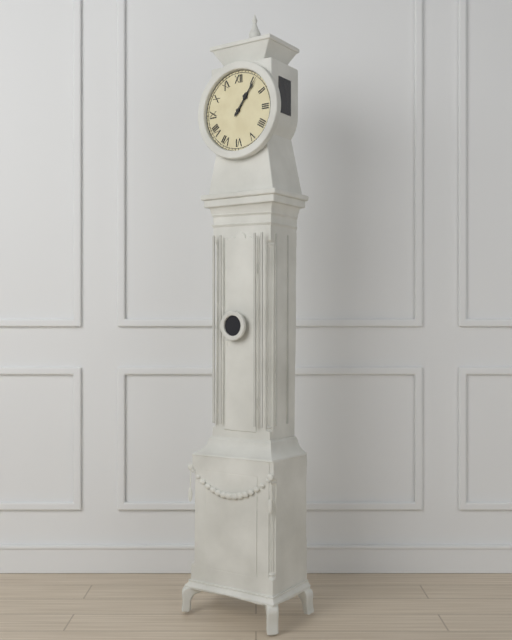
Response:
{"hour": 1, "minute": 6}
